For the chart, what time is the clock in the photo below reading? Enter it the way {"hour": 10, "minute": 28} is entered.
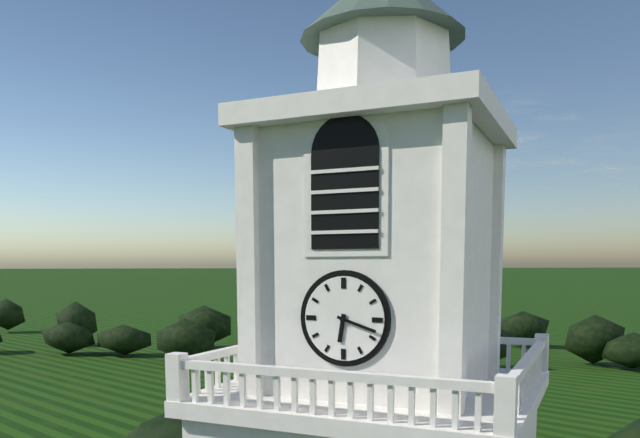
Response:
{"hour": 6, "minute": 18}
